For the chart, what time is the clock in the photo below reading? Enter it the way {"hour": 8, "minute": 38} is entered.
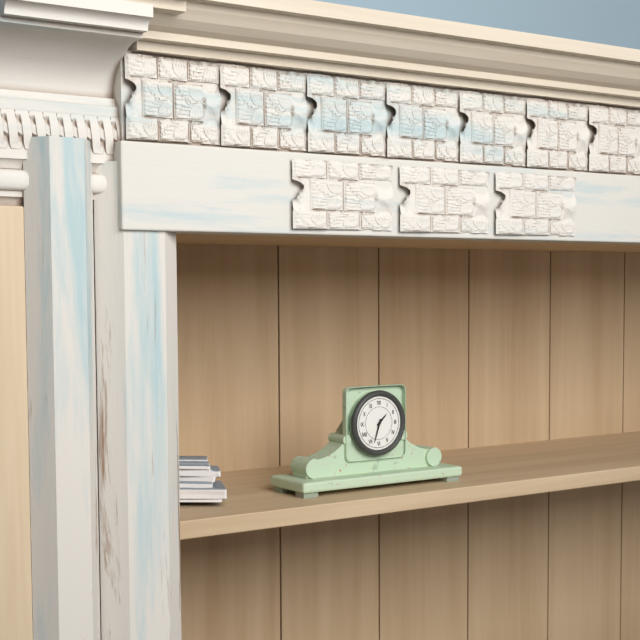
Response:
{"hour": 1, "minute": 33}
